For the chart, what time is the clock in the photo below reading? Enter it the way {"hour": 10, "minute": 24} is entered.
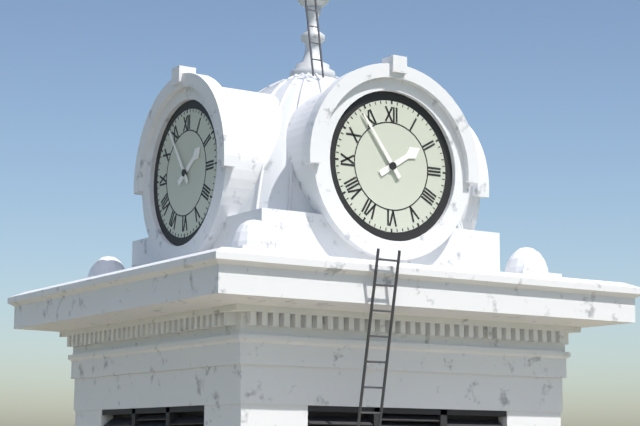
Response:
{"hour": 1, "minute": 54}
